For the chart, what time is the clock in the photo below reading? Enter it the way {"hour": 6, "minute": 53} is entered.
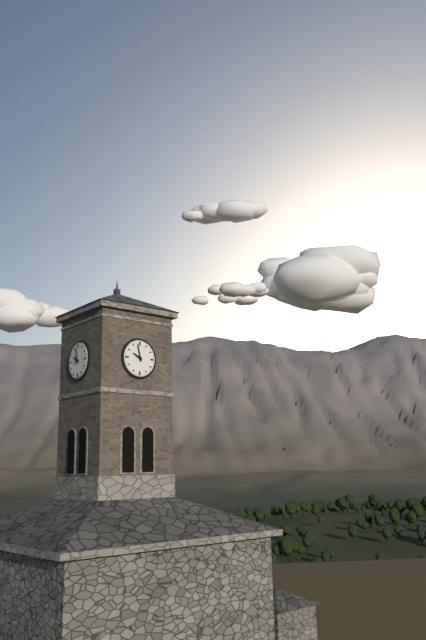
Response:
{"hour": 9, "minute": 58}
